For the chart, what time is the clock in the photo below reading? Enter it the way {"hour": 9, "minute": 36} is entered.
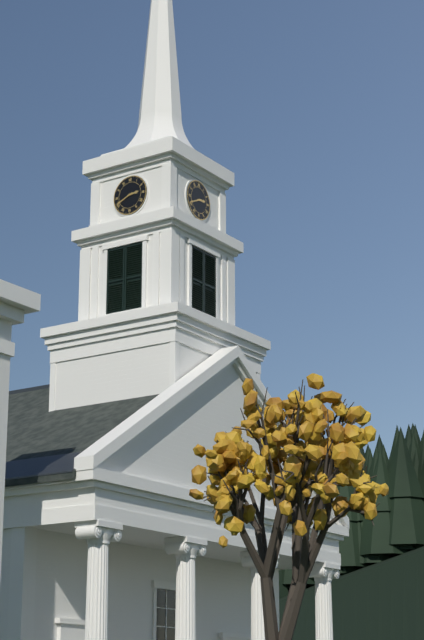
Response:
{"hour": 2, "minute": 41}
